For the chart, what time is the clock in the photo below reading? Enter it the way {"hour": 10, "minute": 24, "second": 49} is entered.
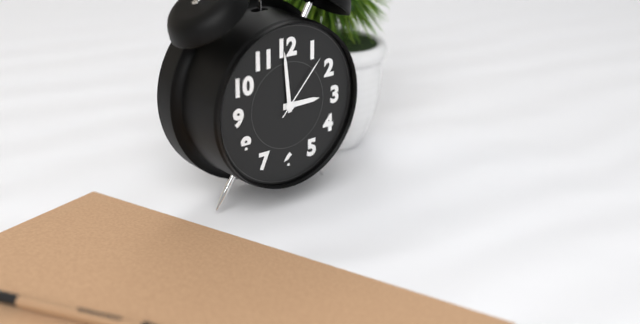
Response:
{"hour": 2, "minute": 59, "second": 7}
